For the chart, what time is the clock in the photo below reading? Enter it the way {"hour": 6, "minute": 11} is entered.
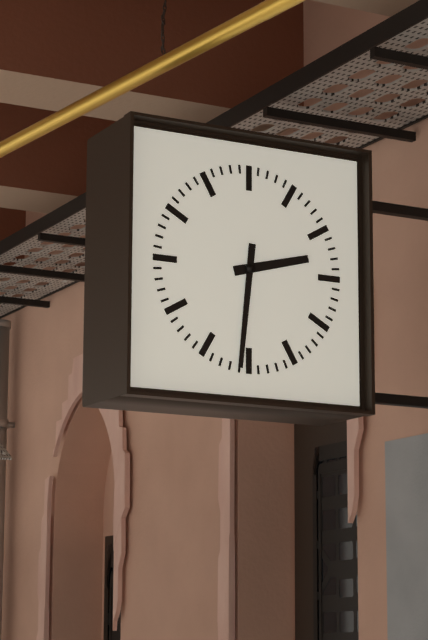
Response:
{"hour": 2, "minute": 31}
